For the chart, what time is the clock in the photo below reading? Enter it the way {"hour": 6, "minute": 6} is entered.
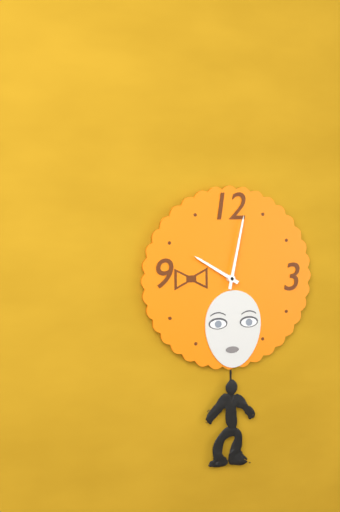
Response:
{"hour": 10, "minute": 2}
